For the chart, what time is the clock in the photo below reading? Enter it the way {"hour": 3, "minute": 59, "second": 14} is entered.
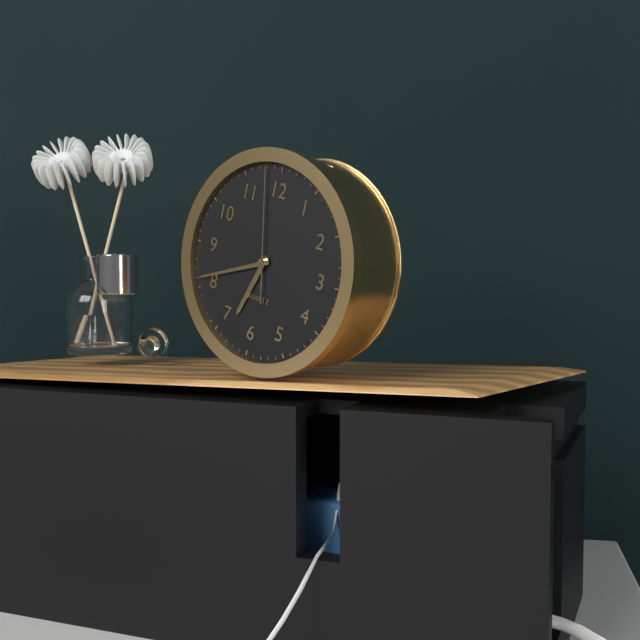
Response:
{"hour": 6, "minute": 41, "second": 58}
